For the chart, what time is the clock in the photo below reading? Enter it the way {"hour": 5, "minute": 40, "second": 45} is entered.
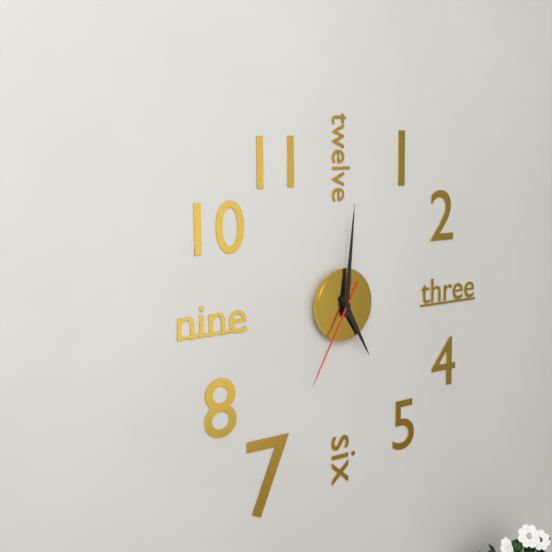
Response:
{"hour": 5, "minute": 1, "second": 35}
